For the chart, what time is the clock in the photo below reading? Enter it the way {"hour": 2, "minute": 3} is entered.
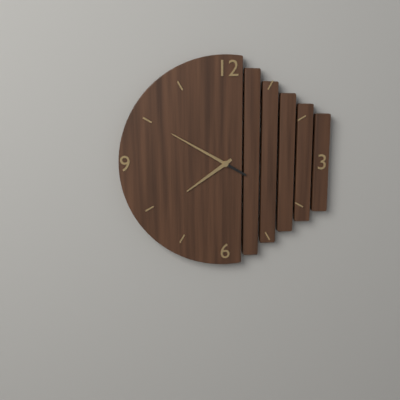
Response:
{"hour": 7, "minute": 50}
